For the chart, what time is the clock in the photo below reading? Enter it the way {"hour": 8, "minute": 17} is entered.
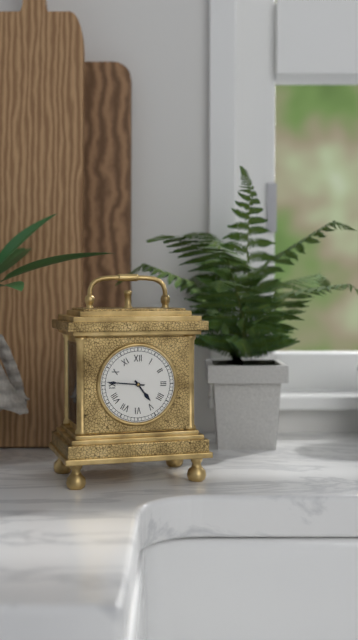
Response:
{"hour": 4, "minute": 46}
